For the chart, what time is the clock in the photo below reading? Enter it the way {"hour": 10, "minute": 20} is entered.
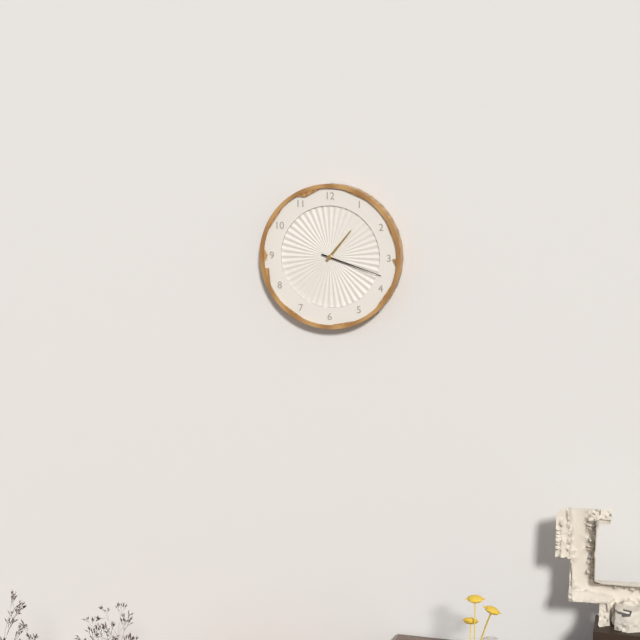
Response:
{"hour": 1, "minute": 18}
